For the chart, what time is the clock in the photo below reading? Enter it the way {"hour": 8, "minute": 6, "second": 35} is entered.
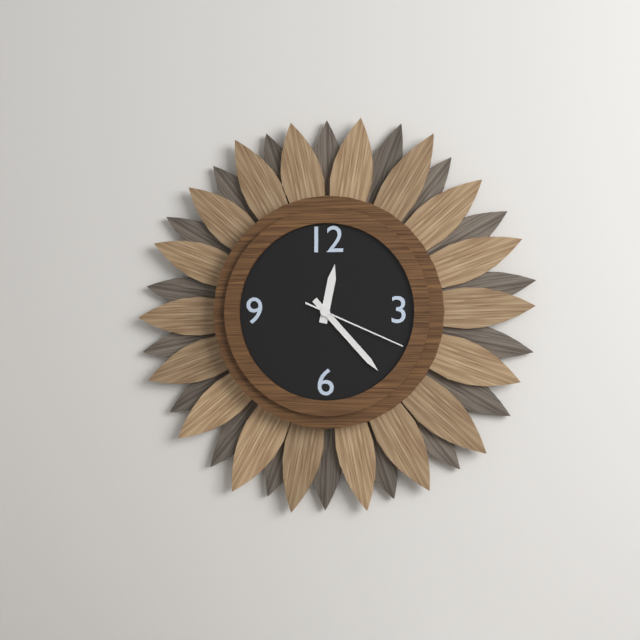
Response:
{"hour": 12, "minute": 23, "second": 19}
